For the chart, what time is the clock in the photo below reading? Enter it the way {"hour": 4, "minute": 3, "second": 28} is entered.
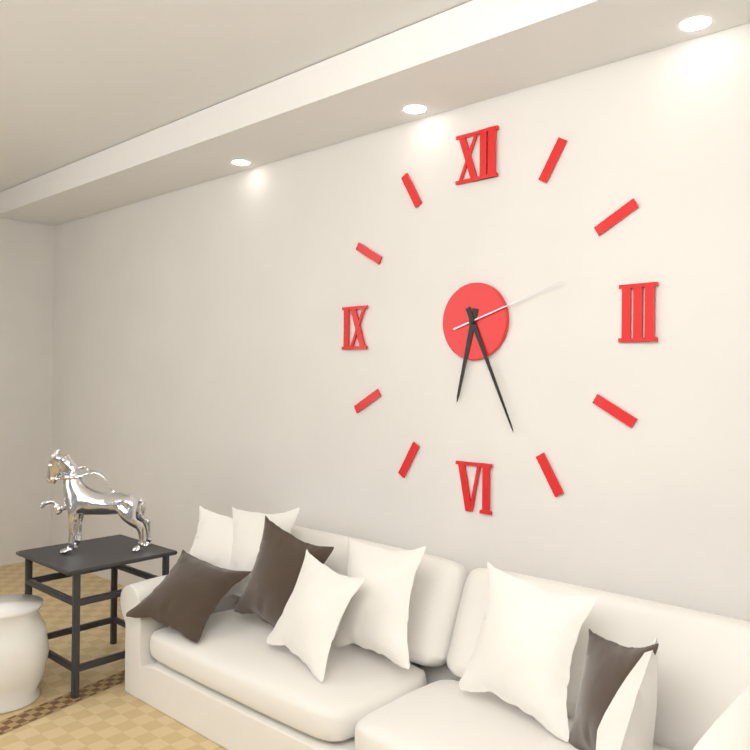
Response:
{"hour": 6, "minute": 26, "second": 12}
